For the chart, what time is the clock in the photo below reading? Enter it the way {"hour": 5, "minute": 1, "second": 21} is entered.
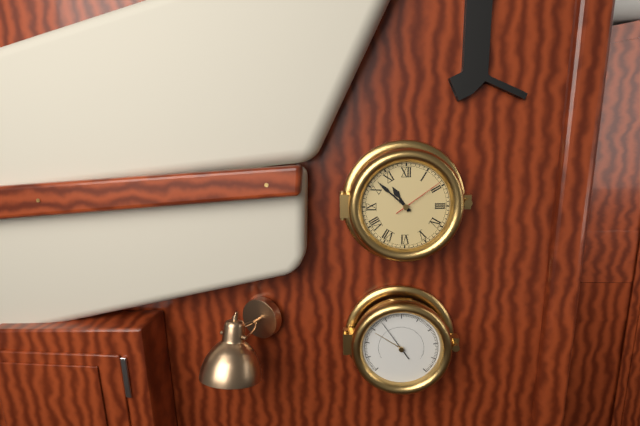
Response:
{"hour": 10, "minute": 52, "second": 9}
